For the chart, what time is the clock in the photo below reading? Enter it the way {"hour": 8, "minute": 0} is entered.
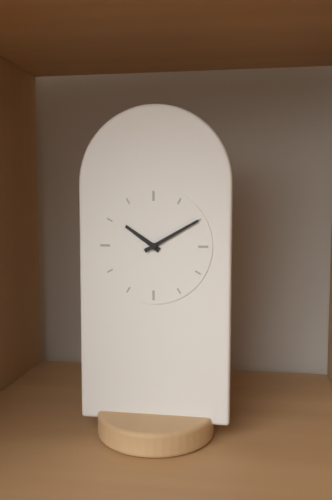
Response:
{"hour": 10, "minute": 10}
